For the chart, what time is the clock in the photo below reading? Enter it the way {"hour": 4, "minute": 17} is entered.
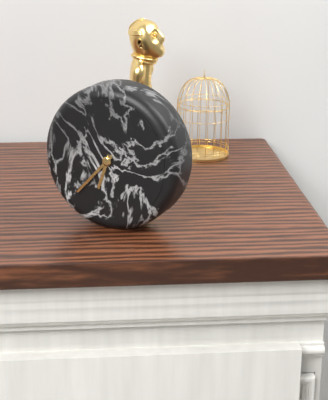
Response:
{"hour": 6, "minute": 37}
